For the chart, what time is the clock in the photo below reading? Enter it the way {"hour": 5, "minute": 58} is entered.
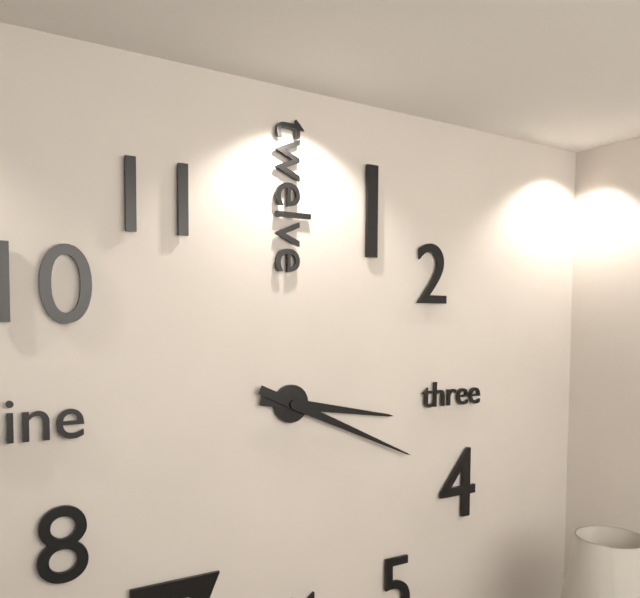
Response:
{"hour": 3, "minute": 19}
